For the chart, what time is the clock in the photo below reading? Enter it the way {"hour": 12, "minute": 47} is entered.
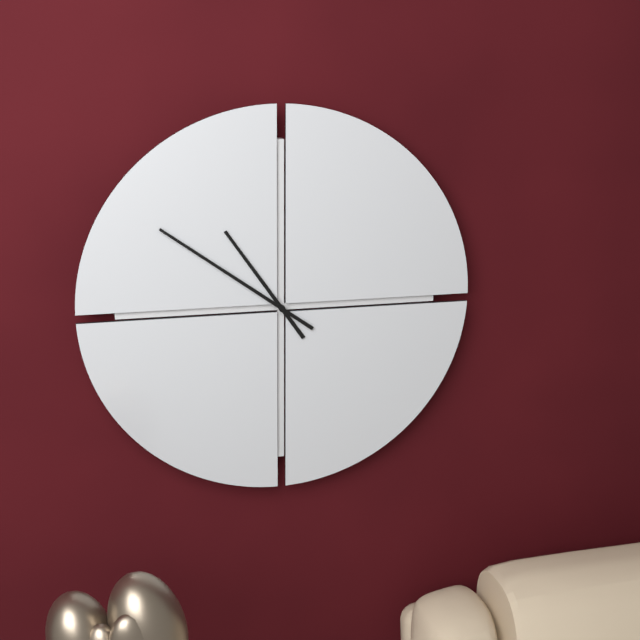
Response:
{"hour": 10, "minute": 51}
